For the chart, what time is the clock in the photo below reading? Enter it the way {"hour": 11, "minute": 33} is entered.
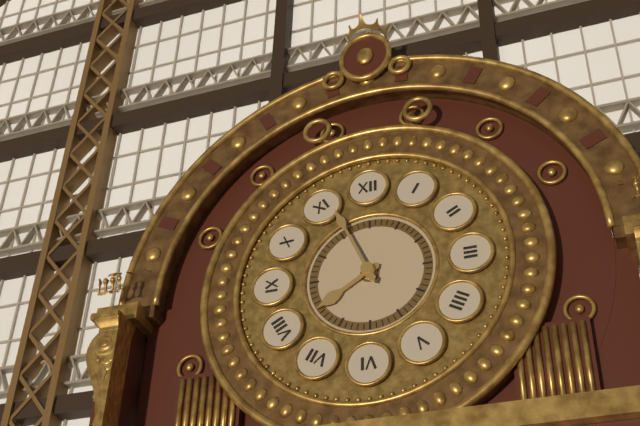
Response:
{"hour": 7, "minute": 56}
